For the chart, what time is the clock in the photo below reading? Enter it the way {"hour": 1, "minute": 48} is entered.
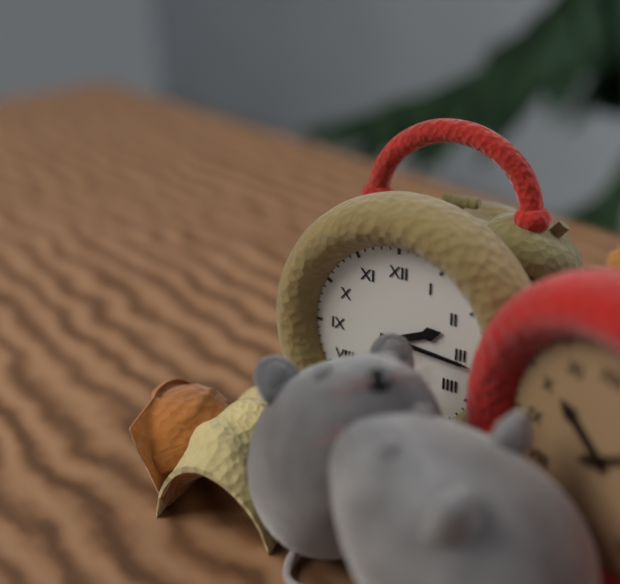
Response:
{"hour": 2, "minute": 16}
